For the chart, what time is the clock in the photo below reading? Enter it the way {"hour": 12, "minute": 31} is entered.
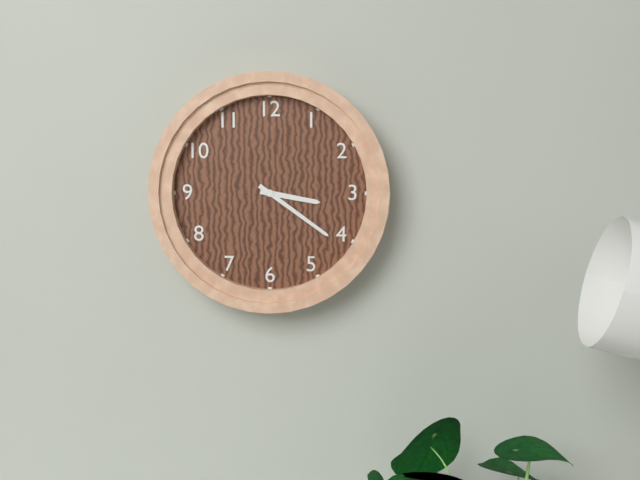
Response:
{"hour": 3, "minute": 21}
